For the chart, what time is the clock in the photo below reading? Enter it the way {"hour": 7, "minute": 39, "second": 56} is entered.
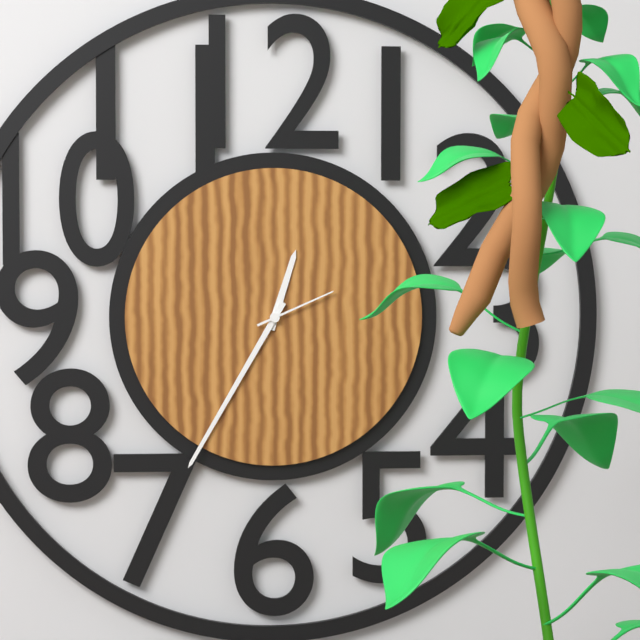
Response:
{"hour": 12, "minute": 35, "second": 11}
